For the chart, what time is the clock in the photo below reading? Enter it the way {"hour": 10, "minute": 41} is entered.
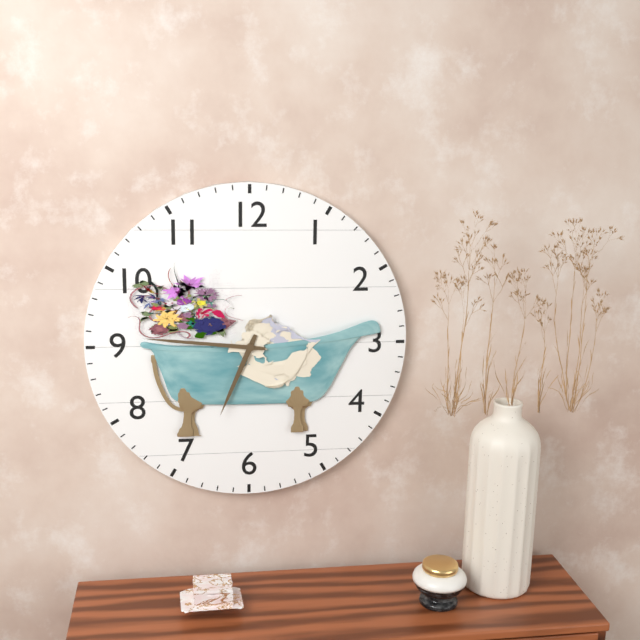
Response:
{"hour": 6, "minute": 46}
